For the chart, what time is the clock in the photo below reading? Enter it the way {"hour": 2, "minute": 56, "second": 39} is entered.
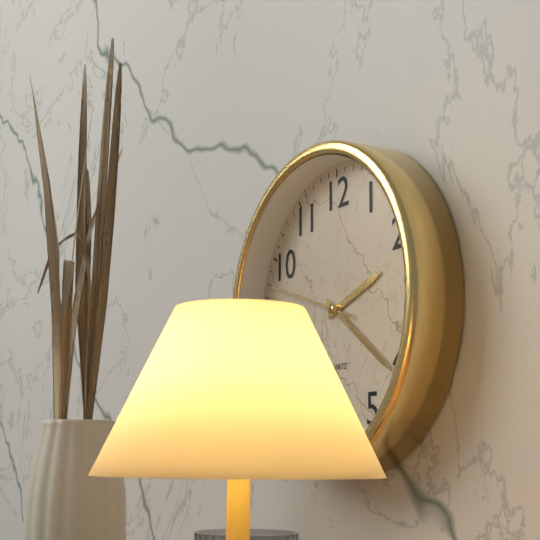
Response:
{"hour": 2, "minute": 21, "second": 48}
